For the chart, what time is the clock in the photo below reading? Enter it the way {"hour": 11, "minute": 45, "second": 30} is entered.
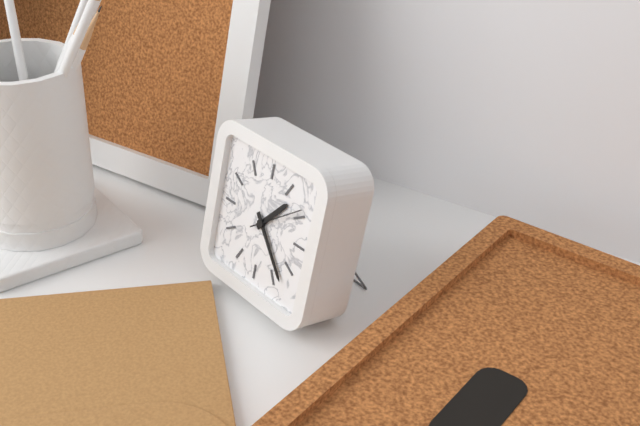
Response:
{"hour": 1, "minute": 23, "second": 9}
